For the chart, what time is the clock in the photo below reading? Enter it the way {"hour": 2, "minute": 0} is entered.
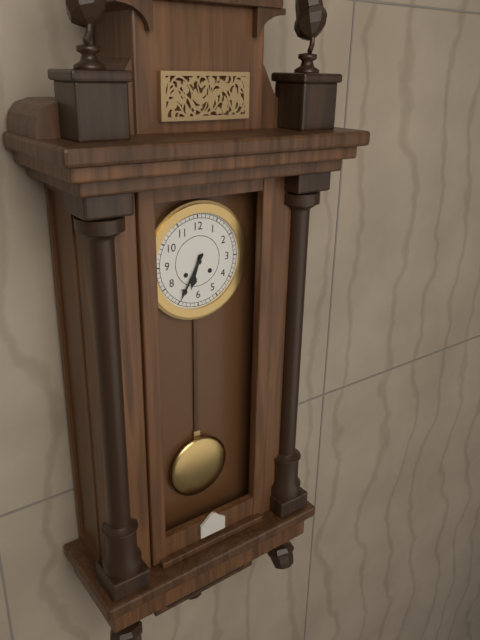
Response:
{"hour": 6, "minute": 35}
